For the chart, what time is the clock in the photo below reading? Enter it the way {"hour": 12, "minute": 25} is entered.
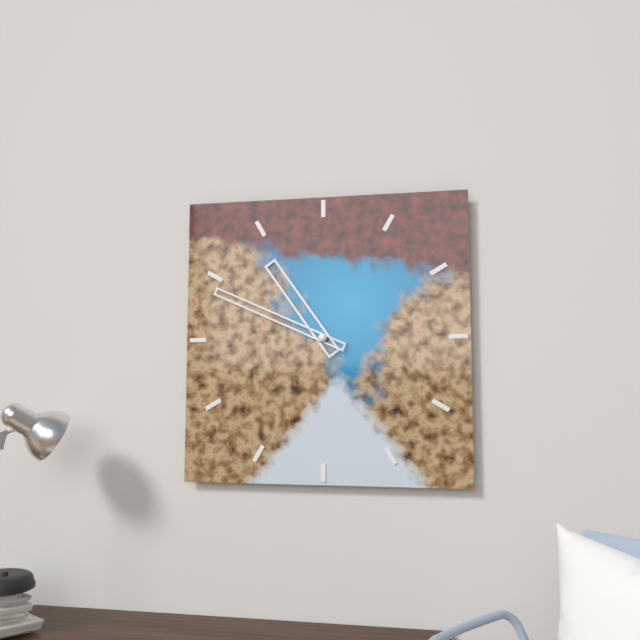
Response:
{"hour": 10, "minute": 49}
